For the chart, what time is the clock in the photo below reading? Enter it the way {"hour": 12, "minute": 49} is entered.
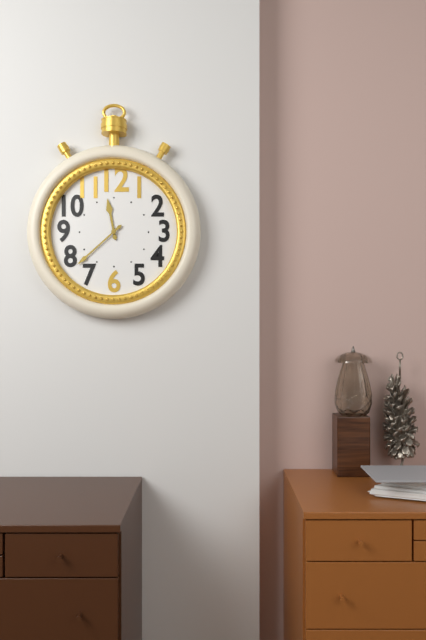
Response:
{"hour": 11, "minute": 38}
